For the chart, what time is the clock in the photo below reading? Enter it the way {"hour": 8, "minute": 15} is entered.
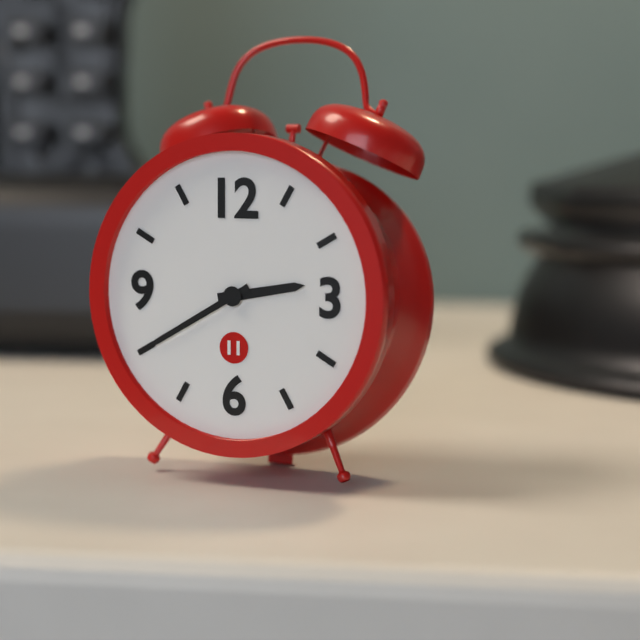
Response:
{"hour": 2, "minute": 40}
